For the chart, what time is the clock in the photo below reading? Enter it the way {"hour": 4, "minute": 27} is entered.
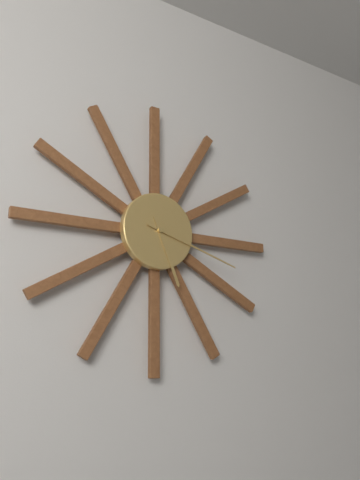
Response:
{"hour": 5, "minute": 18}
